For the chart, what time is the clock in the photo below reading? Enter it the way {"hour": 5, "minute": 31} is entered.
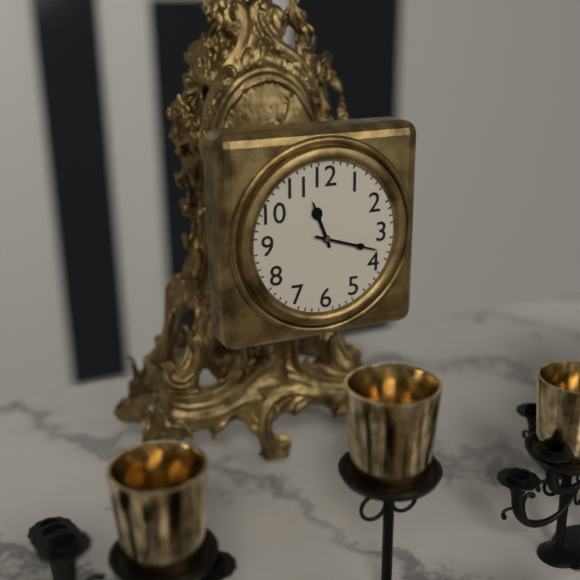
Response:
{"hour": 11, "minute": 18}
